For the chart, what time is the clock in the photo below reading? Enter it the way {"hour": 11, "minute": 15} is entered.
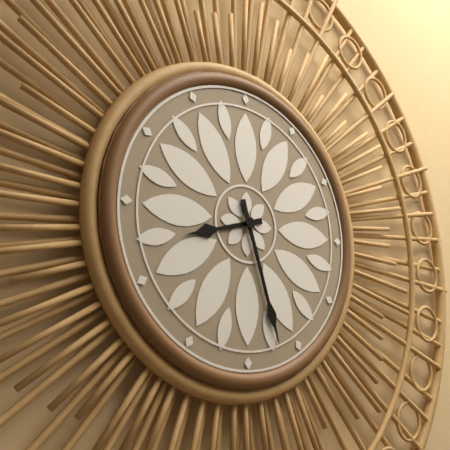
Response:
{"hour": 8, "minute": 27}
